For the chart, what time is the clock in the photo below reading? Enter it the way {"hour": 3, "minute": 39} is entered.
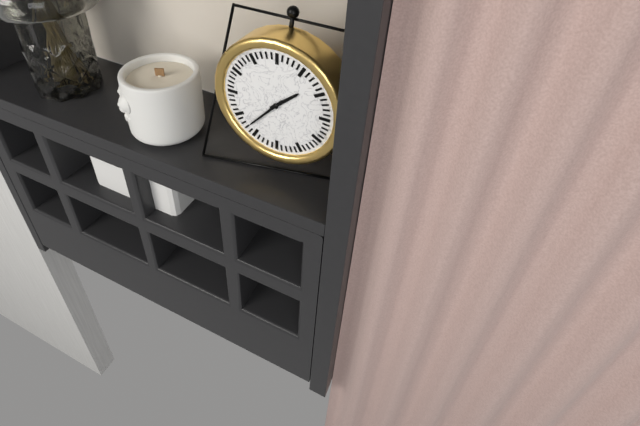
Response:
{"hour": 1, "minute": 37}
